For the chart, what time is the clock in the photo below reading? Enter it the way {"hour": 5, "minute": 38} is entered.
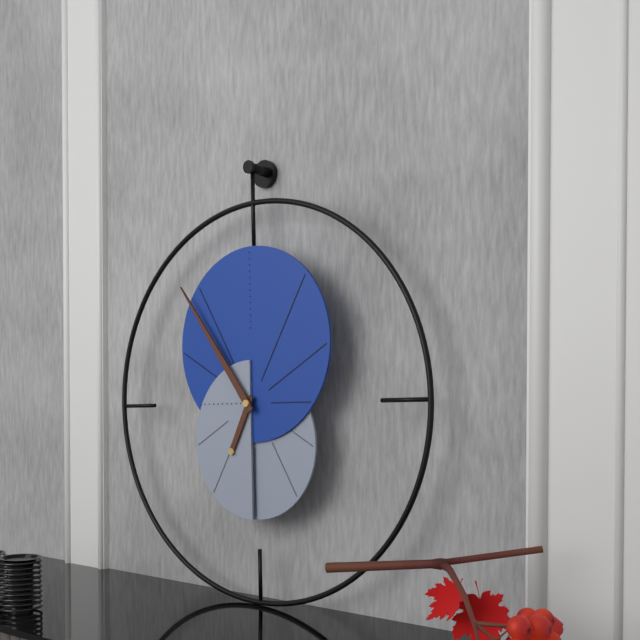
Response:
{"hour": 6, "minute": 54}
